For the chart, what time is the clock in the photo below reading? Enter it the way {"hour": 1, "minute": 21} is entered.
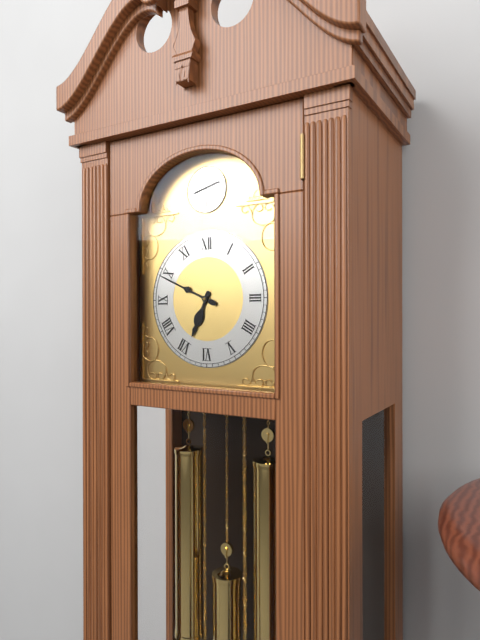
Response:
{"hour": 6, "minute": 49}
